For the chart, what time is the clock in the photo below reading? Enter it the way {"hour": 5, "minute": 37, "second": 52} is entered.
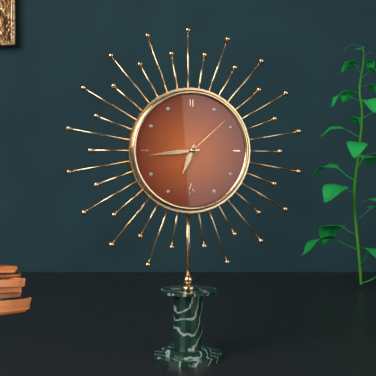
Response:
{"hour": 6, "minute": 44, "second": 8}
